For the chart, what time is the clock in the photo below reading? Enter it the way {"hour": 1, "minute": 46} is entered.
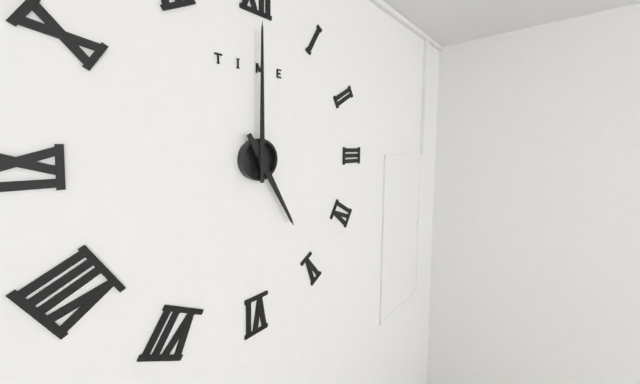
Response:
{"hour": 5, "minute": 0}
